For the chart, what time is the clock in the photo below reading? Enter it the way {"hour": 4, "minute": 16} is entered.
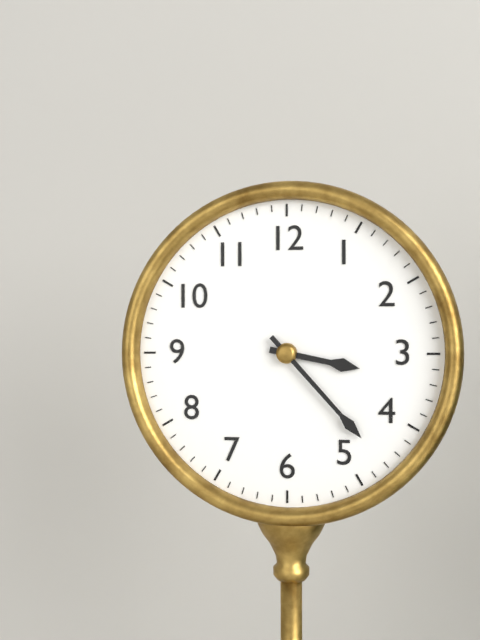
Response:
{"hour": 3, "minute": 23}
